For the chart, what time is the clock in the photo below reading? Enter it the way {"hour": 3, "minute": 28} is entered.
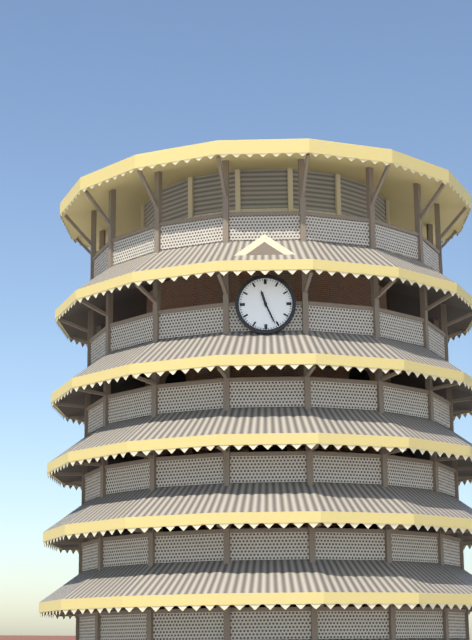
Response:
{"hour": 11, "minute": 26}
